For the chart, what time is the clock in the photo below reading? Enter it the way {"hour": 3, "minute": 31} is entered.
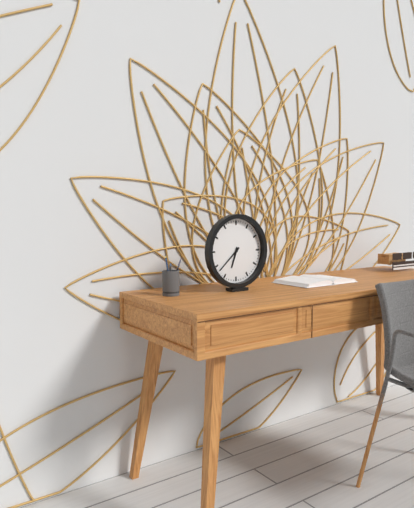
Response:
{"hour": 6, "minute": 38}
